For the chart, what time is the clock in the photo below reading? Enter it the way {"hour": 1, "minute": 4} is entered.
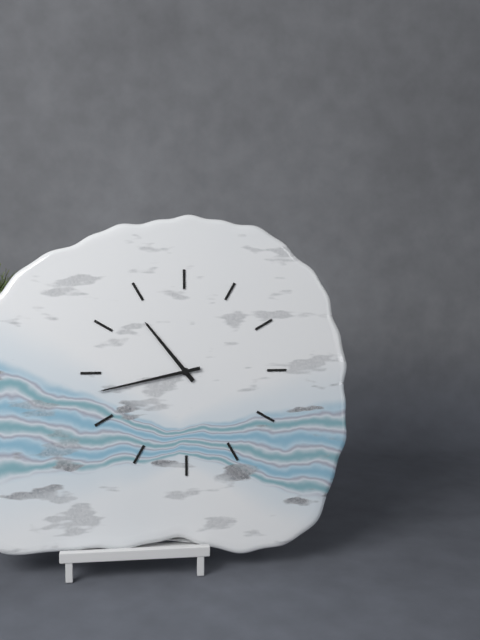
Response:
{"hour": 10, "minute": 43}
